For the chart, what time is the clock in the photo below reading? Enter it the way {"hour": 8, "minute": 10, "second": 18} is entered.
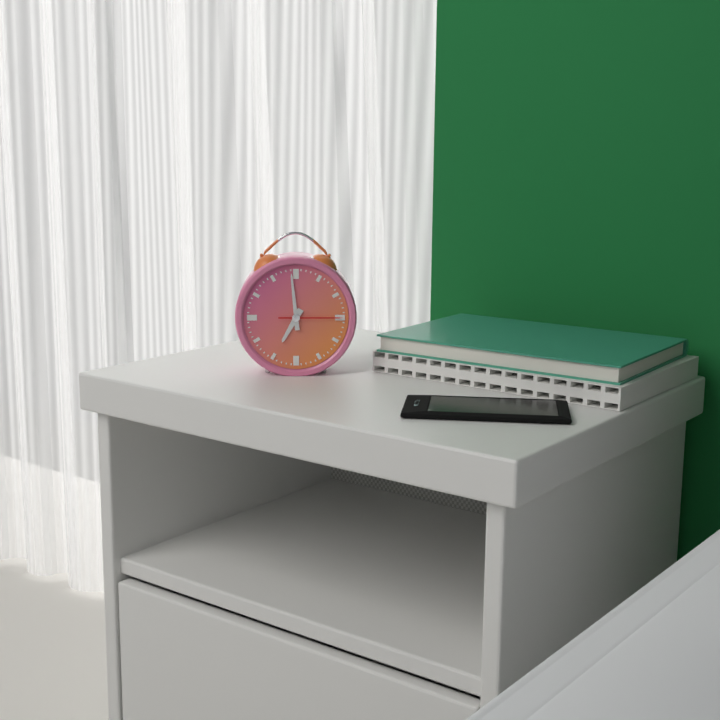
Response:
{"hour": 6, "minute": 59, "second": 15}
